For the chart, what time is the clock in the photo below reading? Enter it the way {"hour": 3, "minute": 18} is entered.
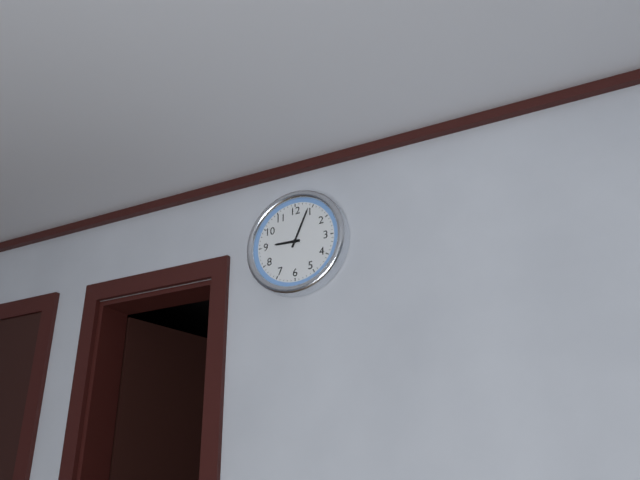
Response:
{"hour": 9, "minute": 4}
